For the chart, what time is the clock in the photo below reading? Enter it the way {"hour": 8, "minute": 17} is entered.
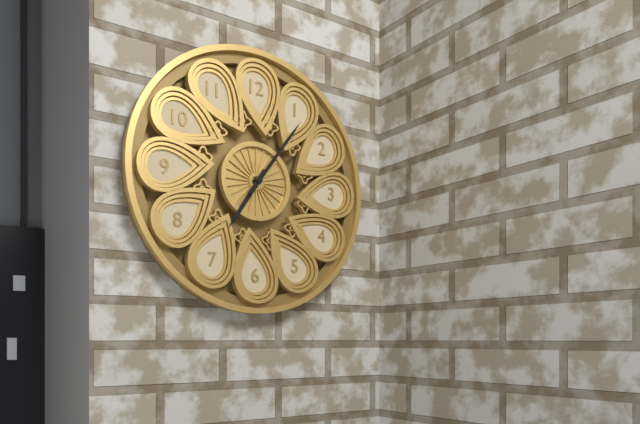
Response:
{"hour": 7, "minute": 6}
